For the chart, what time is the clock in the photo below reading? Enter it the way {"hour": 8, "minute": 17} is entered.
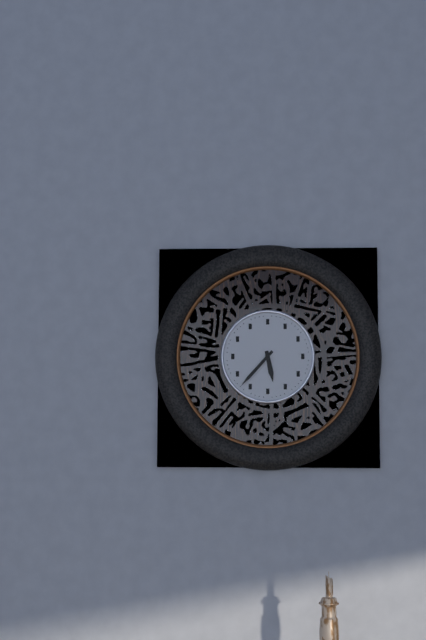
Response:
{"hour": 5, "minute": 37}
